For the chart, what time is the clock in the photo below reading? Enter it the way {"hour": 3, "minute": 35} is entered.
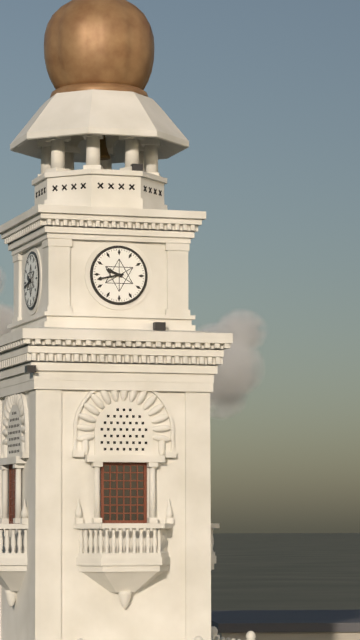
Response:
{"hour": 9, "minute": 43}
